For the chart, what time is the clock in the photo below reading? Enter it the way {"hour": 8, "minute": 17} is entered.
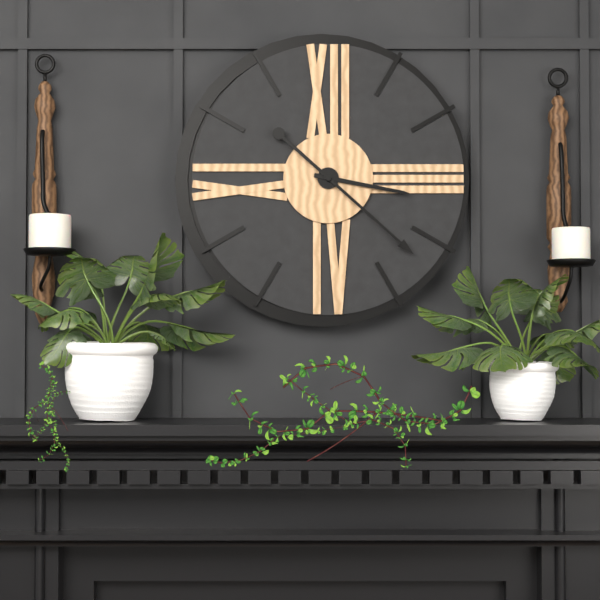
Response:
{"hour": 3, "minute": 22}
